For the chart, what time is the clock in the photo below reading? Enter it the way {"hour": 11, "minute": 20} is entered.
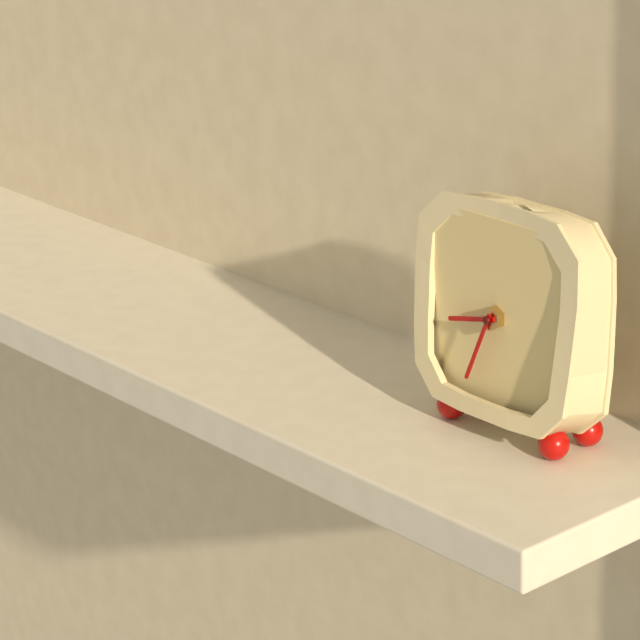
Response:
{"hour": 8, "minute": 34}
